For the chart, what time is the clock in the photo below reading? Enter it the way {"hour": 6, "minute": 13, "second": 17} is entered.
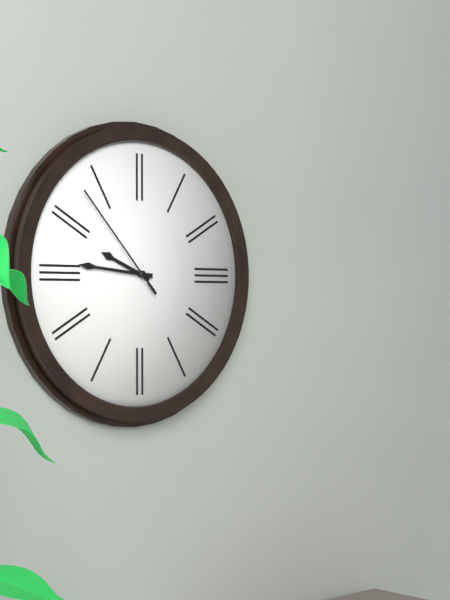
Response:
{"hour": 9, "minute": 46, "second": 53}
